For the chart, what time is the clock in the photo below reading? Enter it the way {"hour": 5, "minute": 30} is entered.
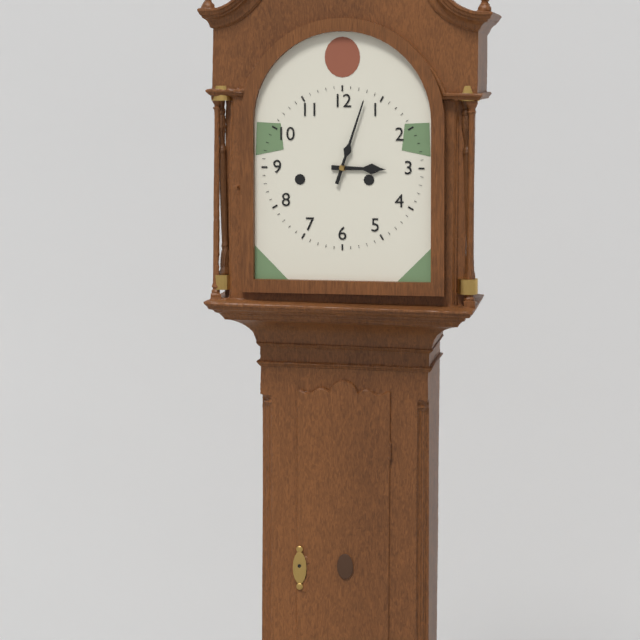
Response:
{"hour": 3, "minute": 3}
